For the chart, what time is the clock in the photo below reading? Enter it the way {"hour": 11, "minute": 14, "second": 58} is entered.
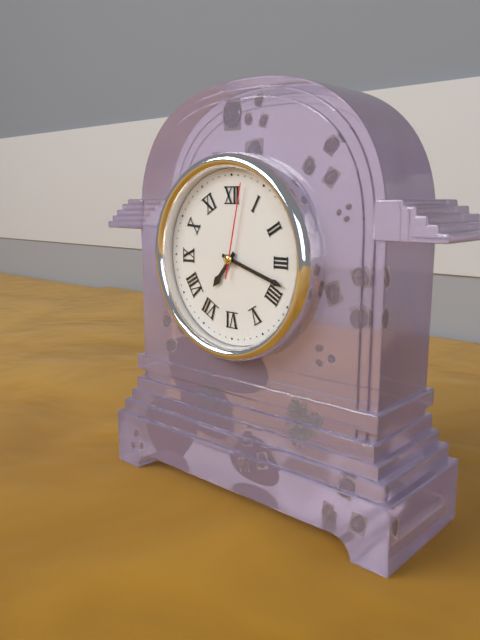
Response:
{"hour": 7, "minute": 18, "second": 2}
